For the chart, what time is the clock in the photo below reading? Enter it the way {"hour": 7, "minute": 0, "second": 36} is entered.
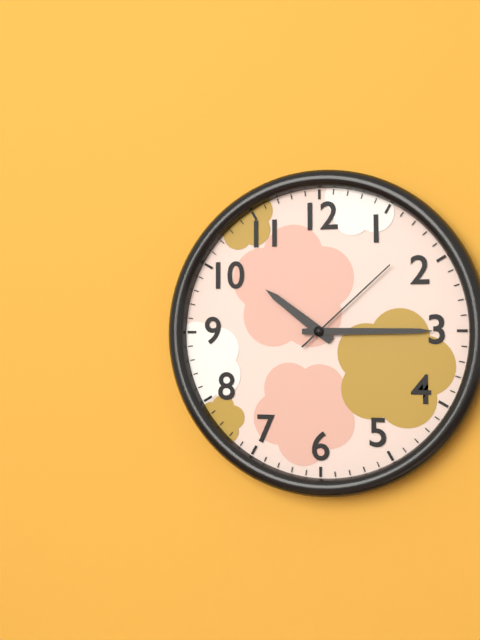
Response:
{"hour": 10, "minute": 15, "second": 8}
